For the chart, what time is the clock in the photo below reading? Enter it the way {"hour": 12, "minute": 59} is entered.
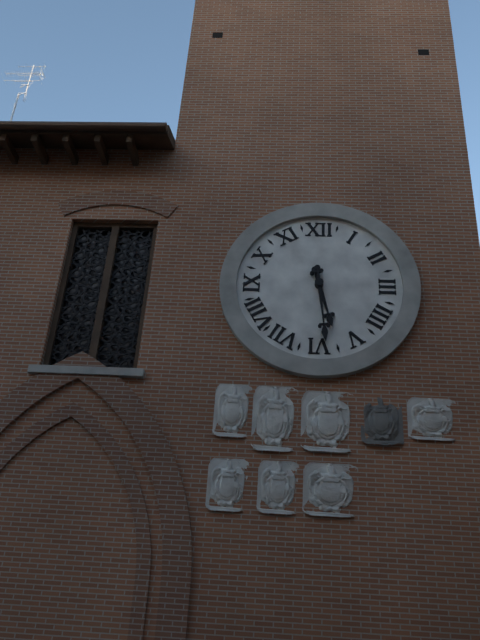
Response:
{"hour": 5, "minute": 29}
